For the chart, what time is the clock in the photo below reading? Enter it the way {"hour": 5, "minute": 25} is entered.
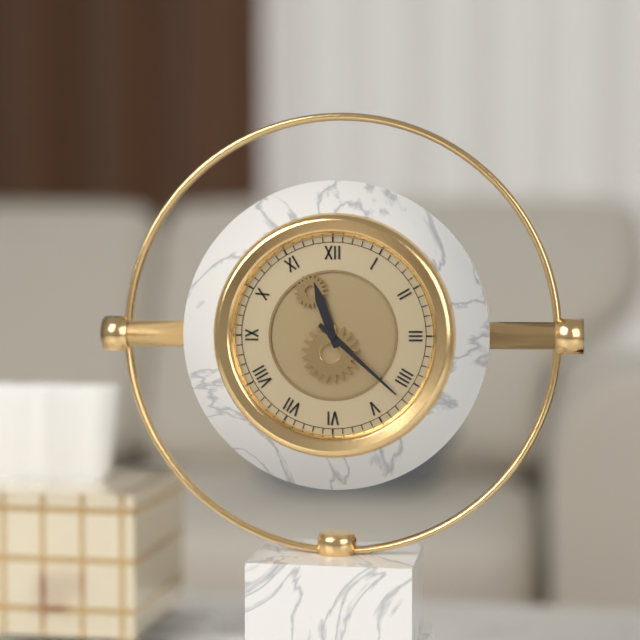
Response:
{"hour": 11, "minute": 22}
